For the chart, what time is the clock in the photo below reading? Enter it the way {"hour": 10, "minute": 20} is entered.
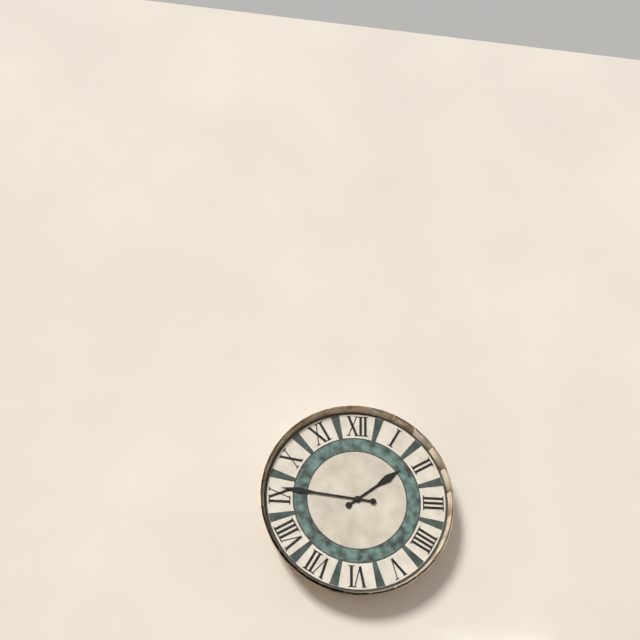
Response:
{"hour": 1, "minute": 46}
